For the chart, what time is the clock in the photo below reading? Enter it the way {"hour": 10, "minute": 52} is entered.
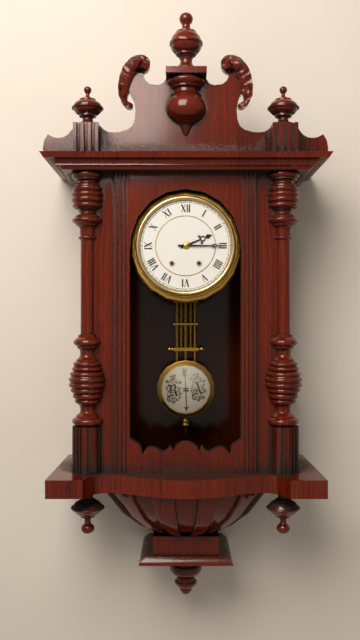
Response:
{"hour": 2, "minute": 15}
